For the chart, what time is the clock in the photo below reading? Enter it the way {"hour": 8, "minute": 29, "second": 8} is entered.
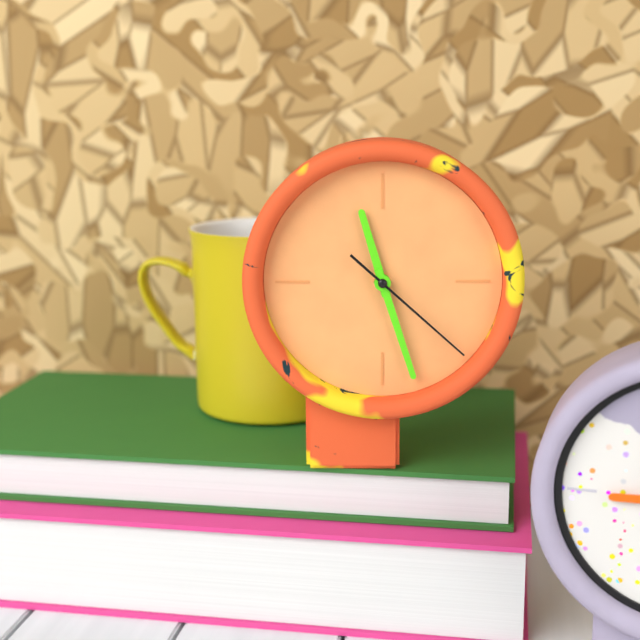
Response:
{"hour": 11, "minute": 27, "second": 22}
